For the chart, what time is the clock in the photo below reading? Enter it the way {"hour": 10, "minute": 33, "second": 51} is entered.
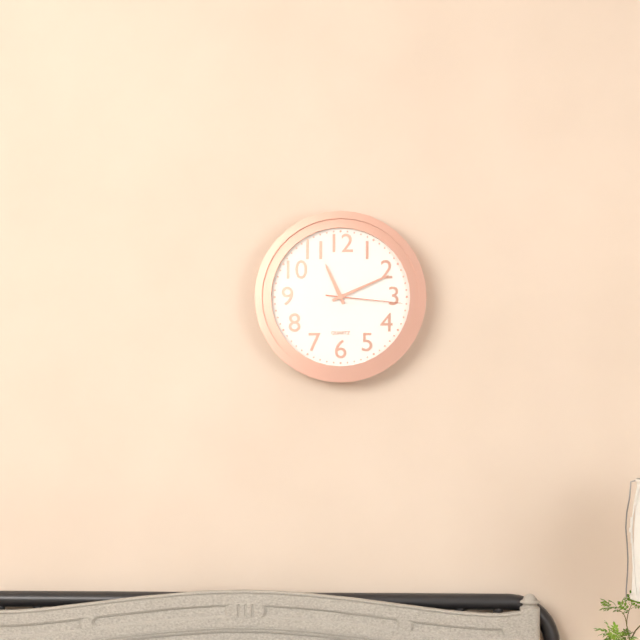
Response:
{"hour": 11, "minute": 11, "second": 16}
